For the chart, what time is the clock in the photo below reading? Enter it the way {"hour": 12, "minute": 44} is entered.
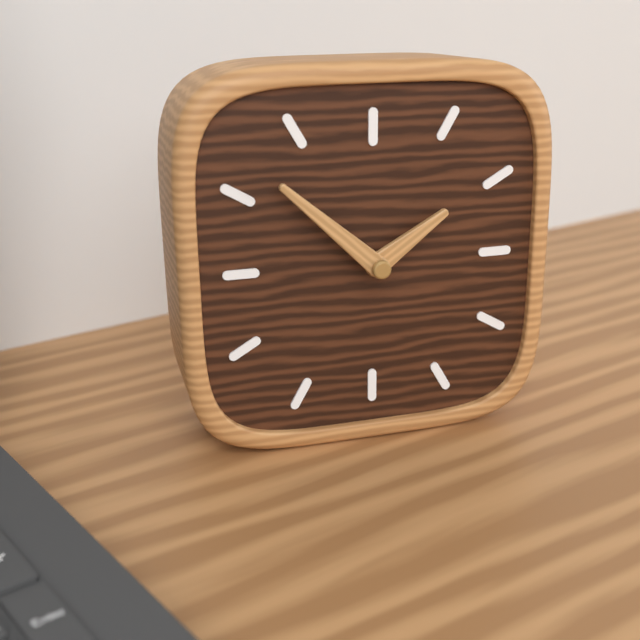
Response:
{"hour": 1, "minute": 52}
